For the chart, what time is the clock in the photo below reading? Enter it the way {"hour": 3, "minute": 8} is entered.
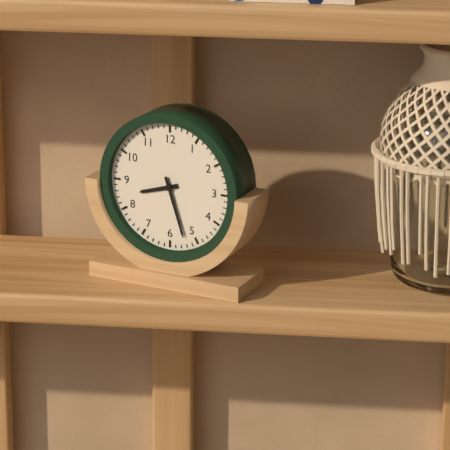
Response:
{"hour": 8, "minute": 27}
